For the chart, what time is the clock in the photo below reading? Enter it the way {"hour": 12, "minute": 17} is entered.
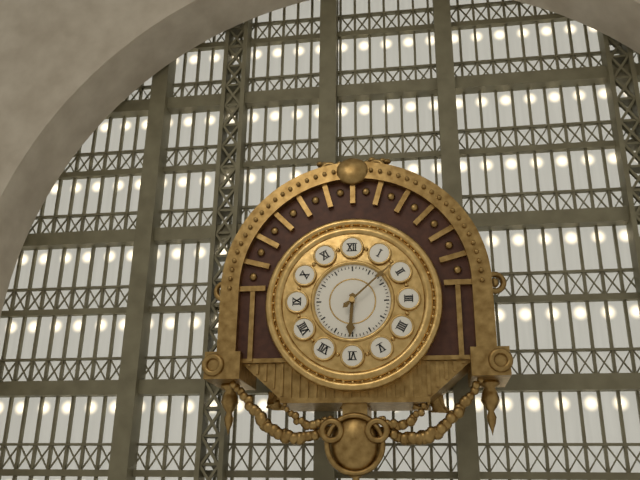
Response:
{"hour": 6, "minute": 8}
